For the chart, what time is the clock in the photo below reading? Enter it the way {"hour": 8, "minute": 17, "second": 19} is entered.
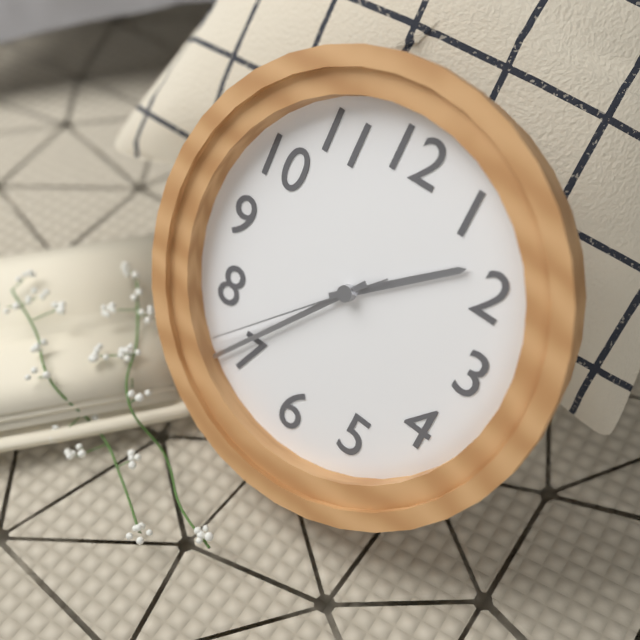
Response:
{"hour": 1, "minute": 36, "second": 37}
